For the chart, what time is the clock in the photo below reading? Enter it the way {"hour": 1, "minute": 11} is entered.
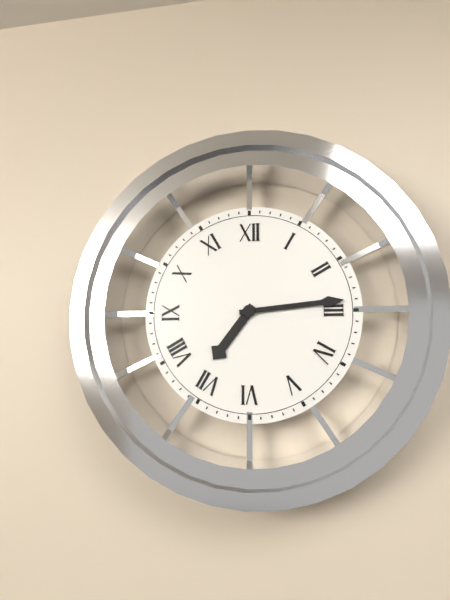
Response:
{"hour": 7, "minute": 14}
